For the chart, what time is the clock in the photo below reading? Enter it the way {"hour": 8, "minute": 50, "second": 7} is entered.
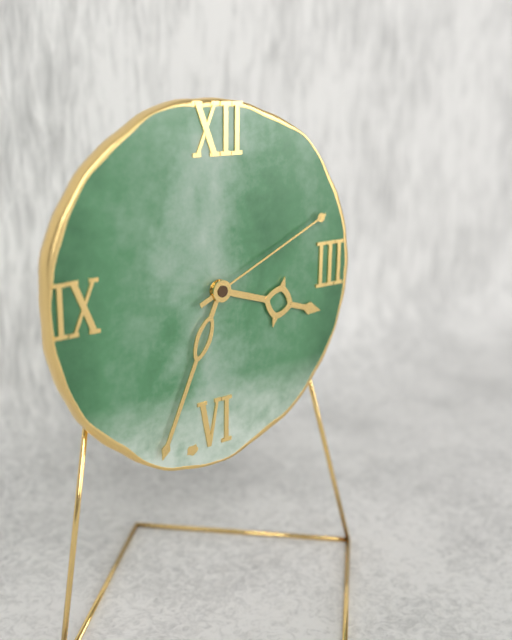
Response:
{"hour": 3, "minute": 34, "second": 11}
